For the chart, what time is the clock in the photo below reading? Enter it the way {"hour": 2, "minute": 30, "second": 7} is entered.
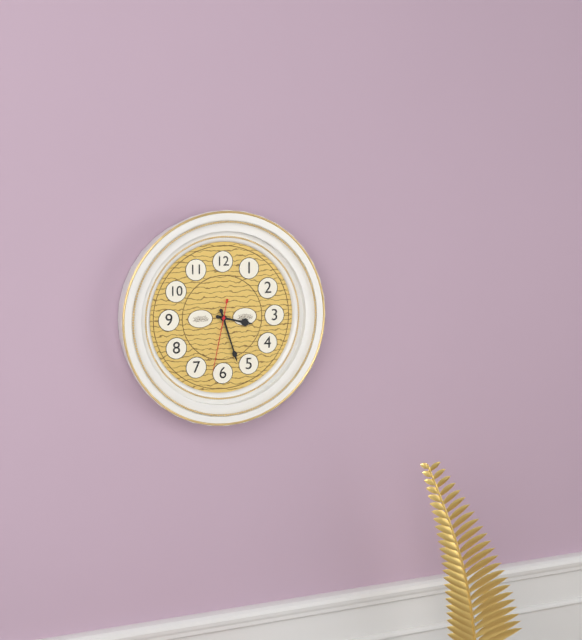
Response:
{"hour": 3, "minute": 27, "second": 32}
